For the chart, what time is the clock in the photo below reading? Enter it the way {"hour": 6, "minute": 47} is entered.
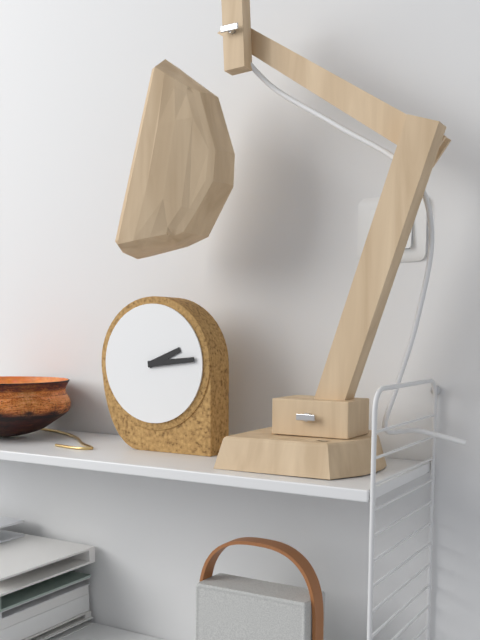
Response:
{"hour": 2, "minute": 14}
